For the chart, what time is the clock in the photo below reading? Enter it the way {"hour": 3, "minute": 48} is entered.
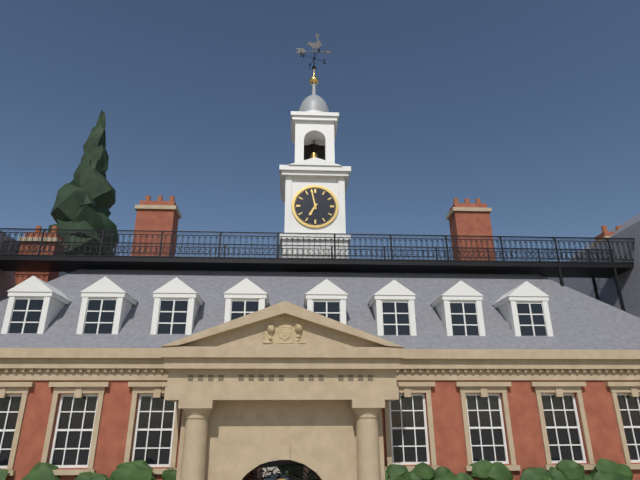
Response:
{"hour": 6, "minute": 58}
